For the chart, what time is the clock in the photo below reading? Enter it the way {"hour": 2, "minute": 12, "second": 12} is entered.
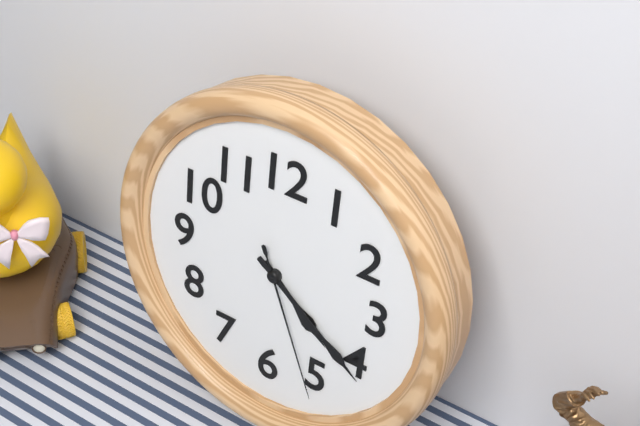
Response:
{"hour": 4, "minute": 21, "second": 26}
